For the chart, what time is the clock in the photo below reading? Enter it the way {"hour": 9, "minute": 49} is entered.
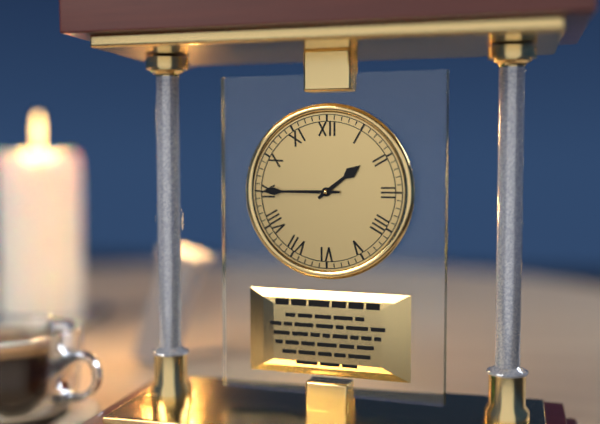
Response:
{"hour": 1, "minute": 45}
